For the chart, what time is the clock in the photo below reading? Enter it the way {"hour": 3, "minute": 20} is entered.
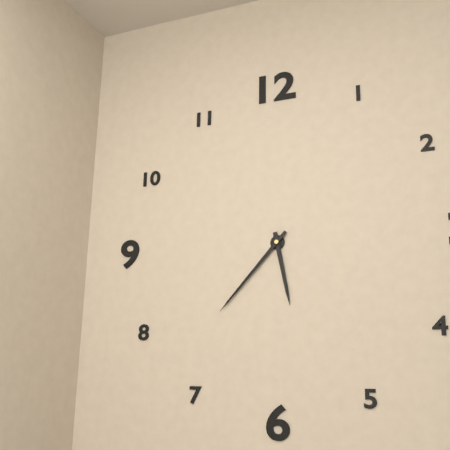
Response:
{"hour": 5, "minute": 37}
